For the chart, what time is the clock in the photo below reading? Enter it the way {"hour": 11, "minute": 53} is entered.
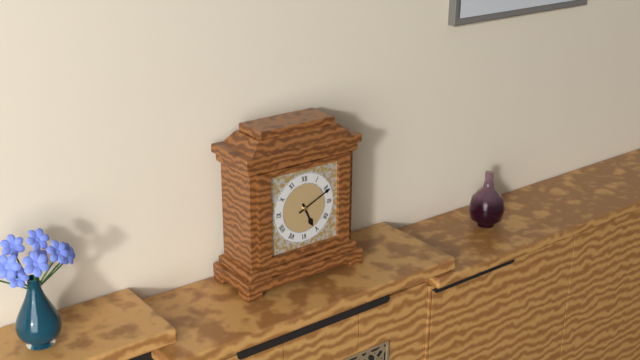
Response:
{"hour": 5, "minute": 11}
